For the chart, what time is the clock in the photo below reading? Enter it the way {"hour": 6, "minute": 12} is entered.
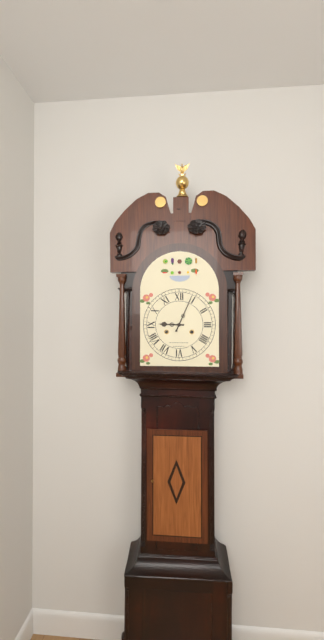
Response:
{"hour": 9, "minute": 4}
